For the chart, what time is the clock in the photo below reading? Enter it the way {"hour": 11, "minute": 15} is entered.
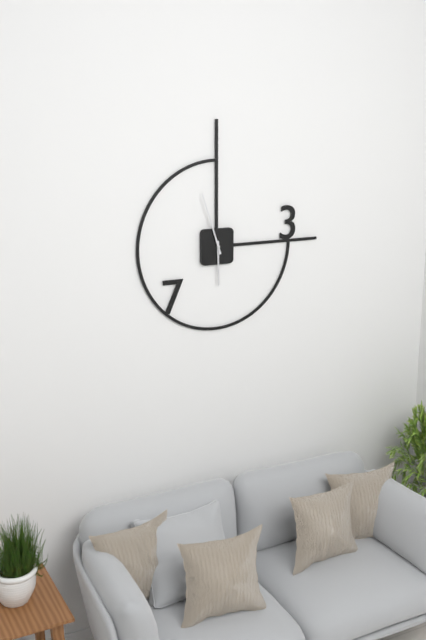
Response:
{"hour": 5, "minute": 57}
